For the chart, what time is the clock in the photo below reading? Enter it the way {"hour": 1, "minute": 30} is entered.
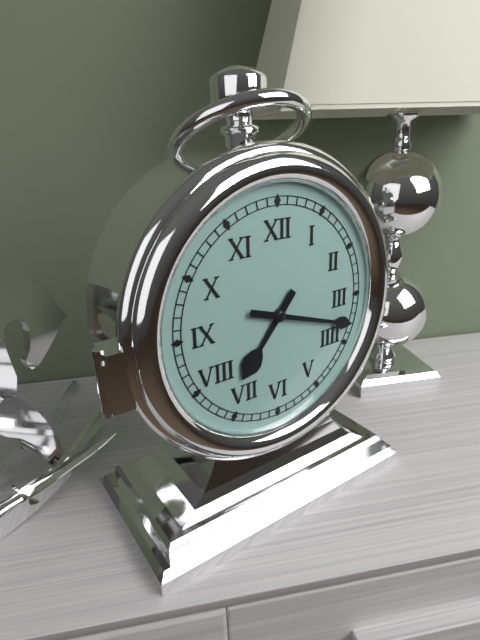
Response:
{"hour": 7, "minute": 18}
